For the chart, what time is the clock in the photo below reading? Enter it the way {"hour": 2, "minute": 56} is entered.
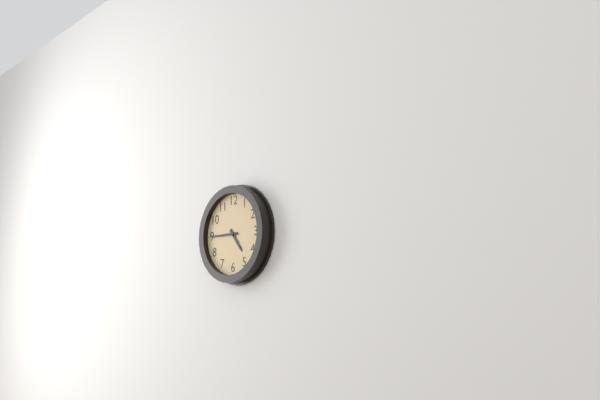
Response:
{"hour": 4, "minute": 45}
